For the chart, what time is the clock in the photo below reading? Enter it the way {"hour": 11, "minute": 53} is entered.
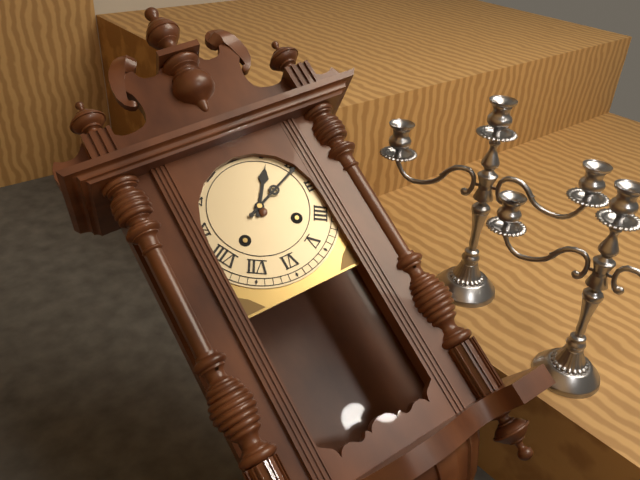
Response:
{"hour": 1, "minute": 11}
